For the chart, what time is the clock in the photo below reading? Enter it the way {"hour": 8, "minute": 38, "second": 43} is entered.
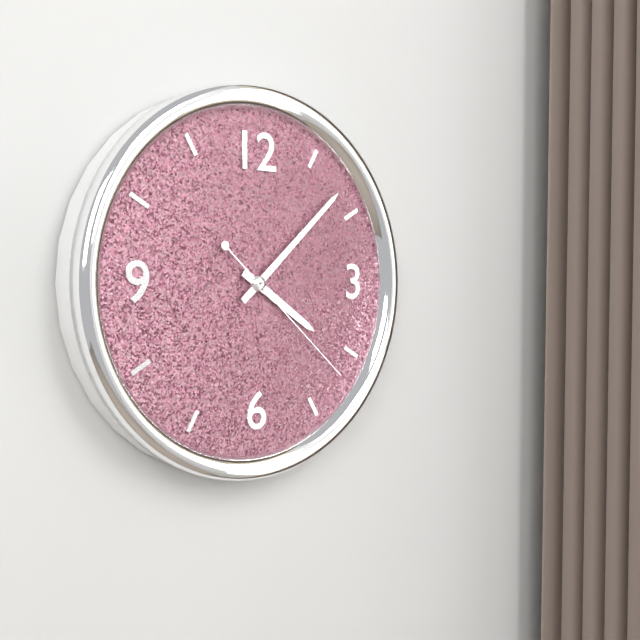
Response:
{"hour": 4, "minute": 8, "second": 22}
